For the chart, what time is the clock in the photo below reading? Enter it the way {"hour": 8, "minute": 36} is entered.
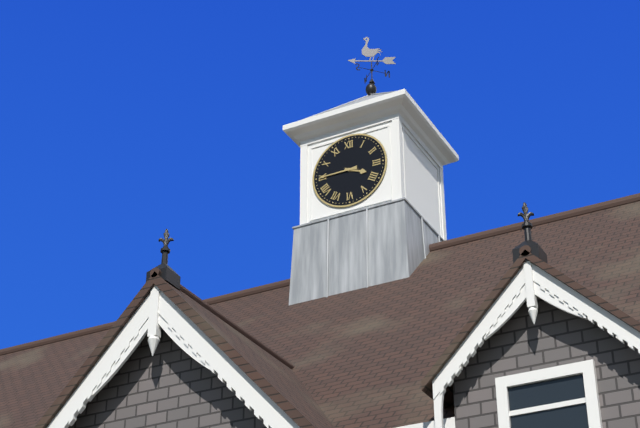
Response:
{"hour": 3, "minute": 45}
